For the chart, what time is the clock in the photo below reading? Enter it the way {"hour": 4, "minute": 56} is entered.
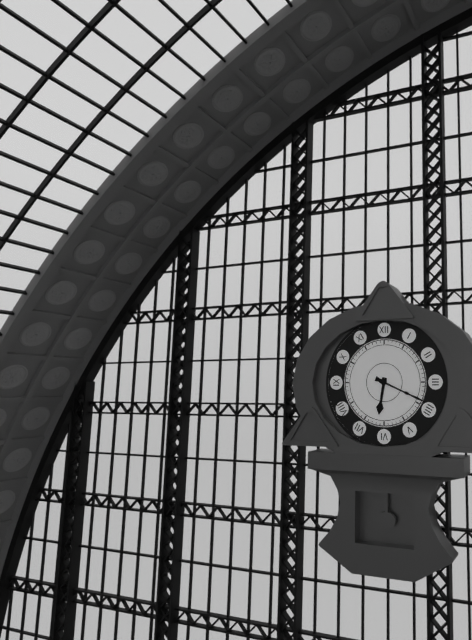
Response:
{"hour": 6, "minute": 19}
